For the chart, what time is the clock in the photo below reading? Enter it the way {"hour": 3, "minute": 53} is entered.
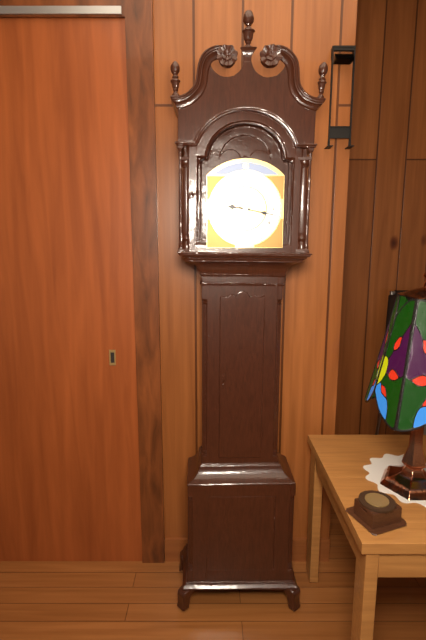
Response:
{"hour": 9, "minute": 17}
